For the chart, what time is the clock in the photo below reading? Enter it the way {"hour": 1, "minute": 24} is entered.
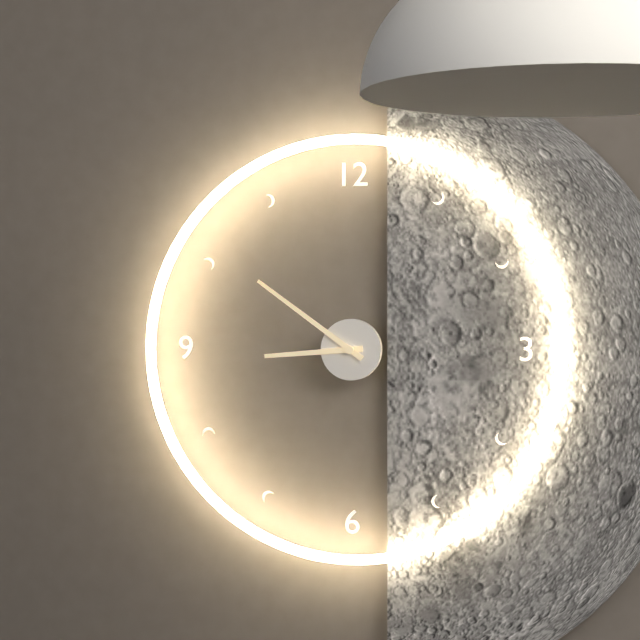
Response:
{"hour": 8, "minute": 51}
